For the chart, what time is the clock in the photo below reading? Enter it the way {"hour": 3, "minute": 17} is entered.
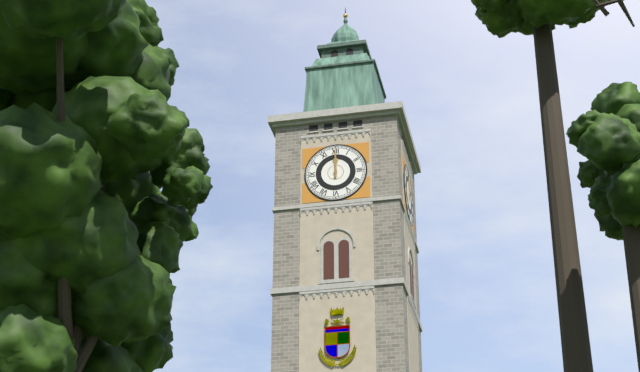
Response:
{"hour": 12, "minute": 0}
